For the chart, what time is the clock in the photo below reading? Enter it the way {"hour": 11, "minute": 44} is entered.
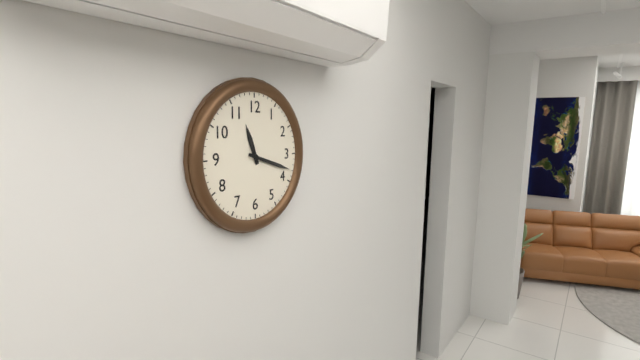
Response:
{"hour": 11, "minute": 18}
